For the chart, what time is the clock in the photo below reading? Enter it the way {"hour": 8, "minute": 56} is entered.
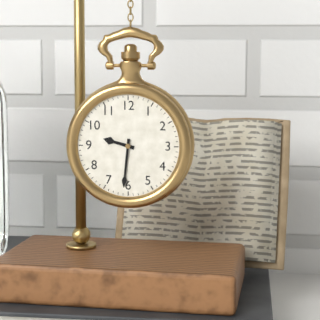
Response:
{"hour": 9, "minute": 31}
